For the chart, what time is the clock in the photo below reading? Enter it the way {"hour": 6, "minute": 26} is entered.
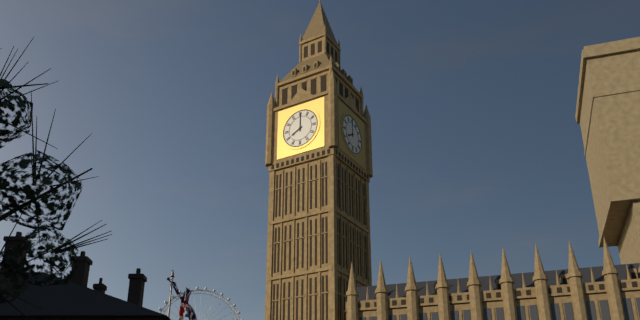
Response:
{"hour": 8, "minute": 0}
